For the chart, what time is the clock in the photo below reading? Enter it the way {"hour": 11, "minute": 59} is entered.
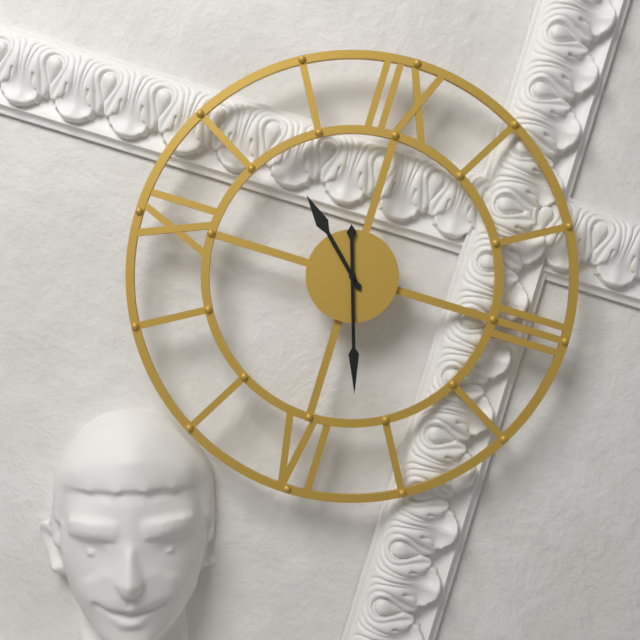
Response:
{"hour": 10, "minute": 27}
